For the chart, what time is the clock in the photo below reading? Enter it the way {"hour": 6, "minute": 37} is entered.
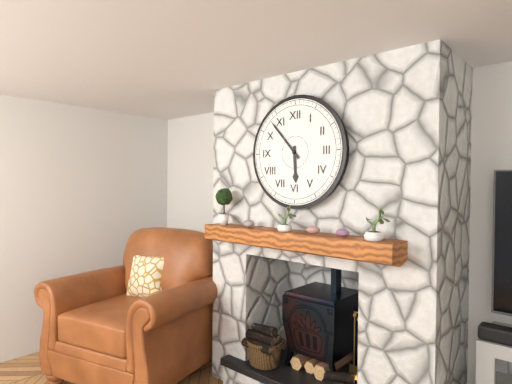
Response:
{"hour": 5, "minute": 53}
